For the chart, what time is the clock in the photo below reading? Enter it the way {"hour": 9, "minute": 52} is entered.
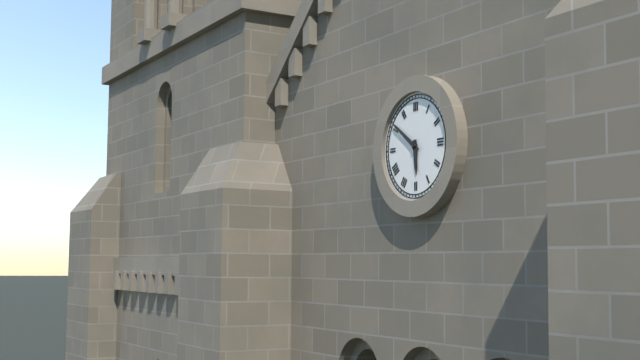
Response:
{"hour": 5, "minute": 51}
